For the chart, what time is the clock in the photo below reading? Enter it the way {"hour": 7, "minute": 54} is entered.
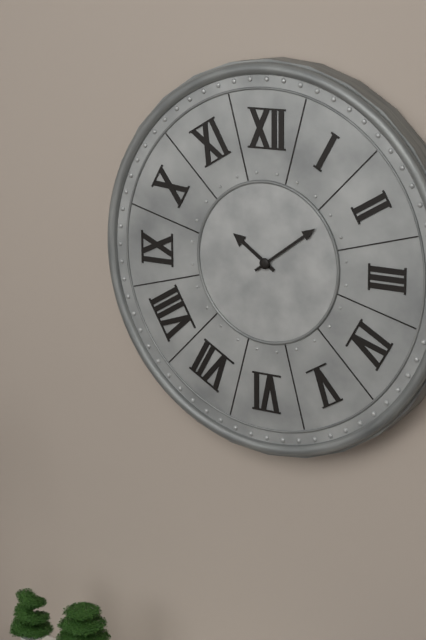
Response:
{"hour": 10, "minute": 9}
